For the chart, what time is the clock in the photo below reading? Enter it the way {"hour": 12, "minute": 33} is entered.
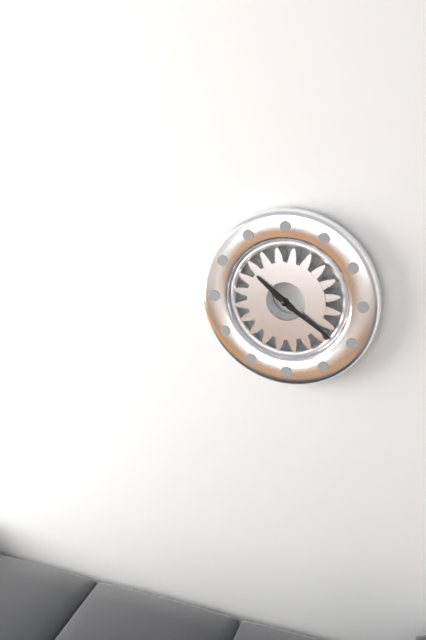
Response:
{"hour": 10, "minute": 21}
